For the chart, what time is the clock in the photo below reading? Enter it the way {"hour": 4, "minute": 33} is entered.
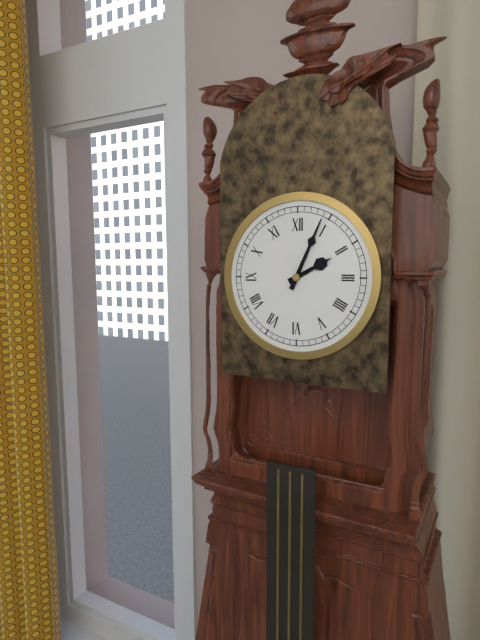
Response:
{"hour": 2, "minute": 4}
